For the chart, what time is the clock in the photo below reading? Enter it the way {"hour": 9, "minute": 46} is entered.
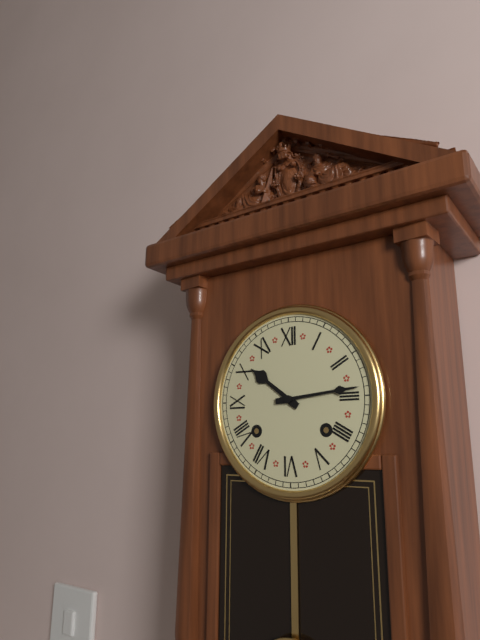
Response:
{"hour": 10, "minute": 14}
